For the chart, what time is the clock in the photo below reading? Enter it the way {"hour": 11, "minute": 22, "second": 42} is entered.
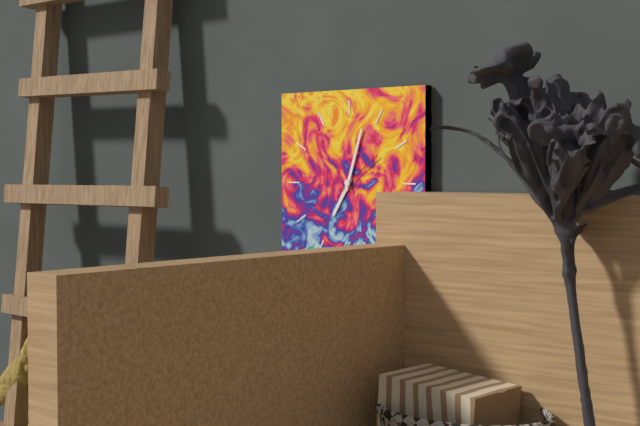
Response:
{"hour": 7, "minute": 3, "second": 9}
